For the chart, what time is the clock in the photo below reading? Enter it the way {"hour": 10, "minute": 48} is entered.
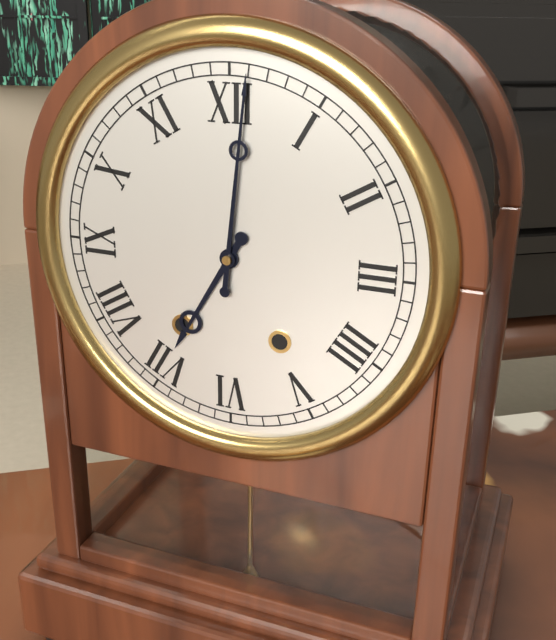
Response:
{"hour": 7, "minute": 1}
